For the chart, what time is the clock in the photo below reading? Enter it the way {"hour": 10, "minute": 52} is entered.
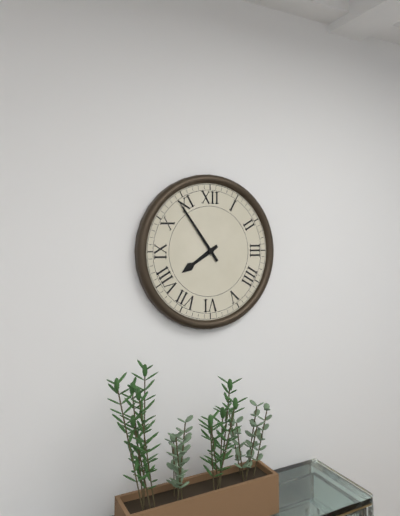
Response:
{"hour": 7, "minute": 54}
